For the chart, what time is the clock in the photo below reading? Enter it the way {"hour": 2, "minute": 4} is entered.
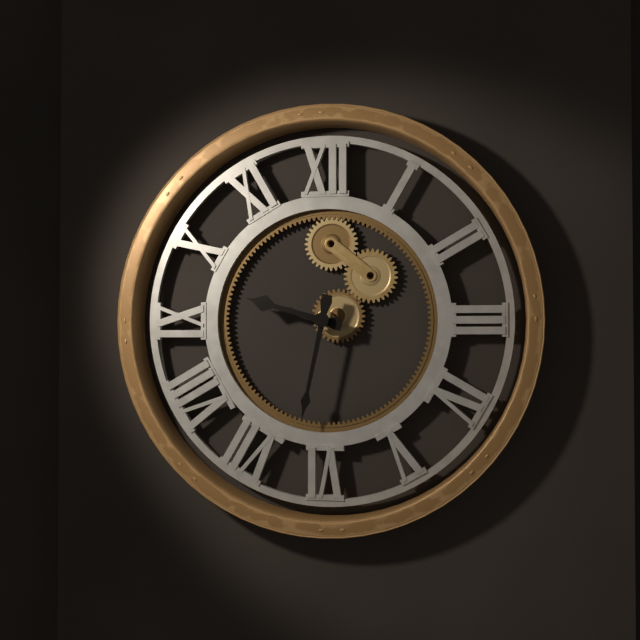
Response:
{"hour": 9, "minute": 32}
